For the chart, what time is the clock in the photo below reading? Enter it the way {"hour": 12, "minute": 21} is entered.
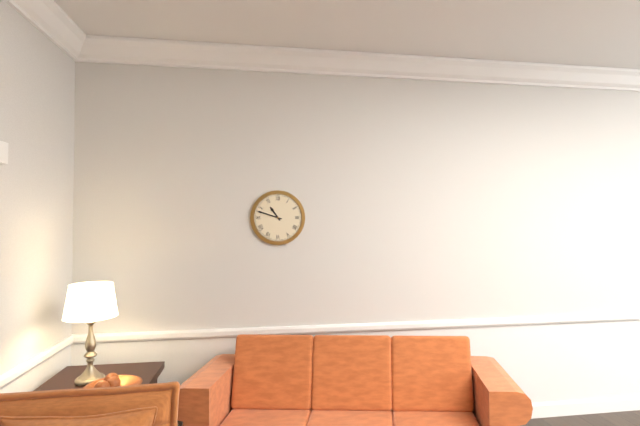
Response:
{"hour": 10, "minute": 48}
